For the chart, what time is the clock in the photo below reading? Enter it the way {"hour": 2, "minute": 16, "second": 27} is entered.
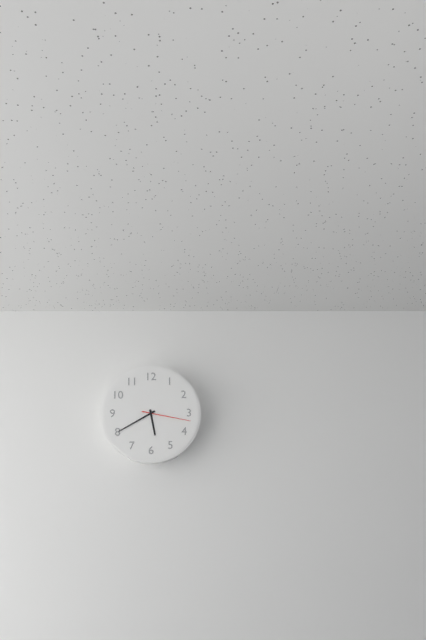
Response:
{"hour": 5, "minute": 40, "second": 17}
